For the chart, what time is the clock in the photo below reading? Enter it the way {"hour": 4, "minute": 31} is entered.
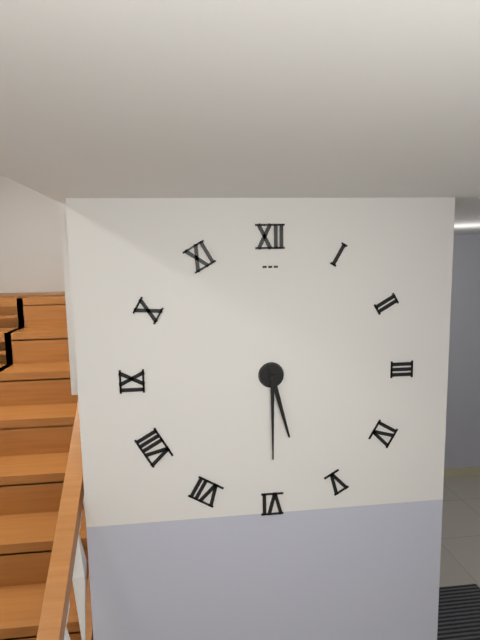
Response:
{"hour": 5, "minute": 30}
